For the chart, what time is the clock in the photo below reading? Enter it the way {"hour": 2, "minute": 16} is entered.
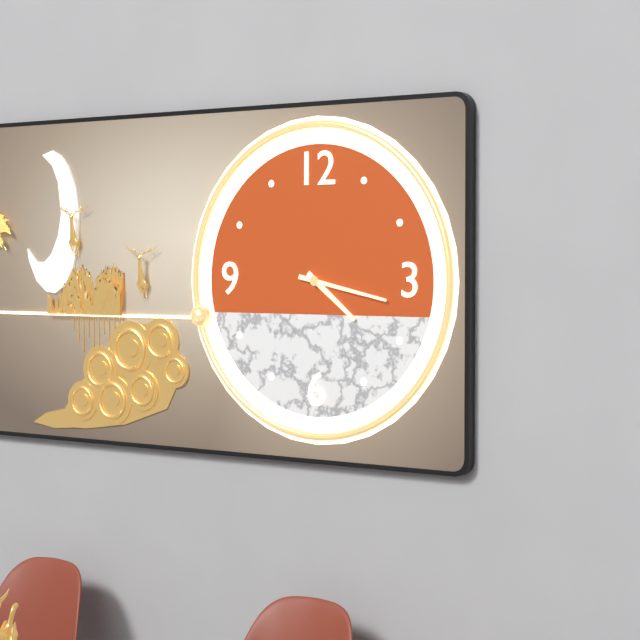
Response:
{"hour": 4, "minute": 17}
